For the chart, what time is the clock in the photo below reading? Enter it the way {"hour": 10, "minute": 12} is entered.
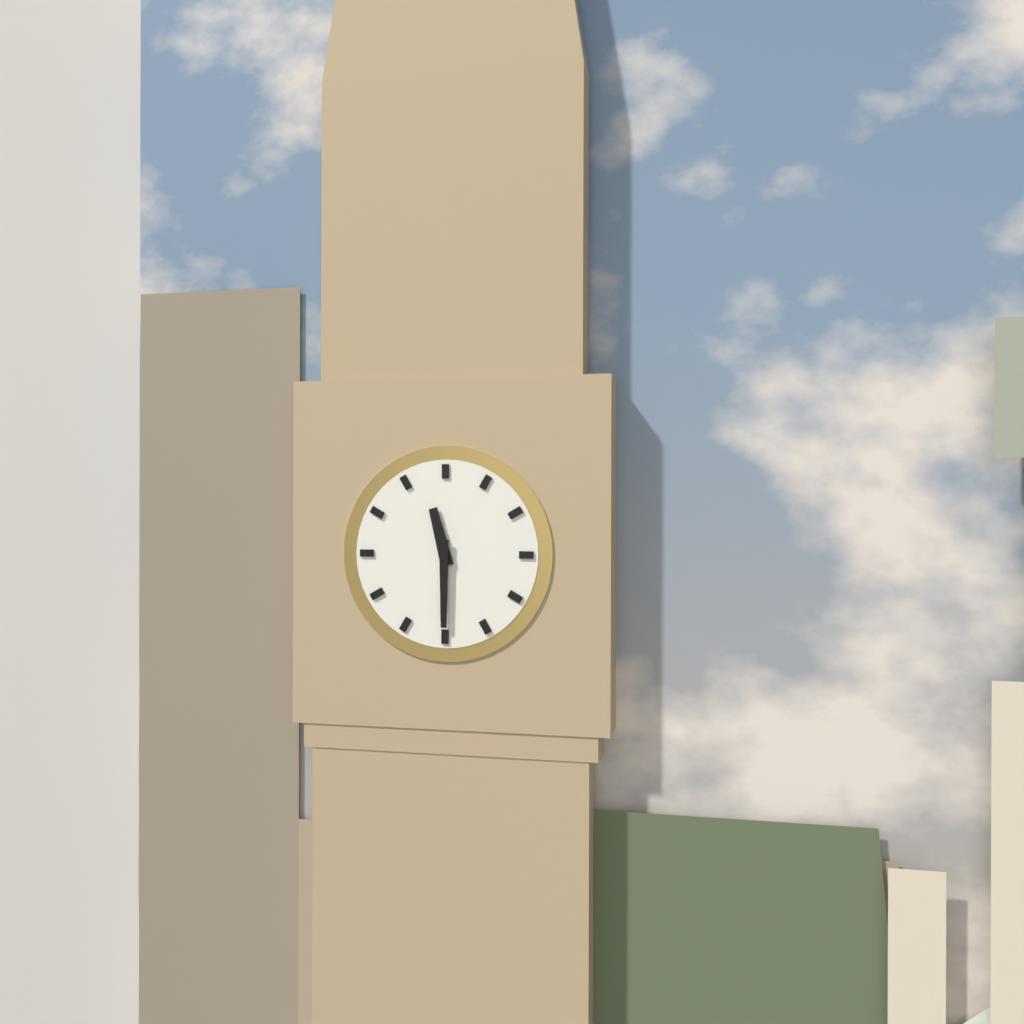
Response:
{"hour": 11, "minute": 30}
